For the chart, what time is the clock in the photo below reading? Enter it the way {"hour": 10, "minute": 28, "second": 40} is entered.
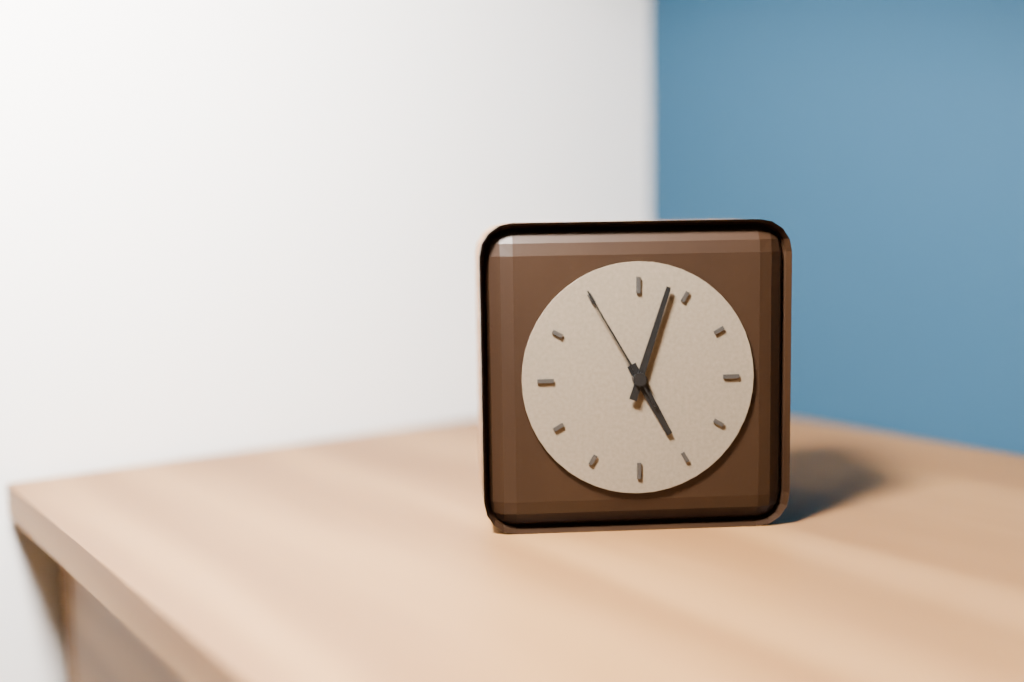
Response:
{"hour": 5, "minute": 3, "second": 55}
